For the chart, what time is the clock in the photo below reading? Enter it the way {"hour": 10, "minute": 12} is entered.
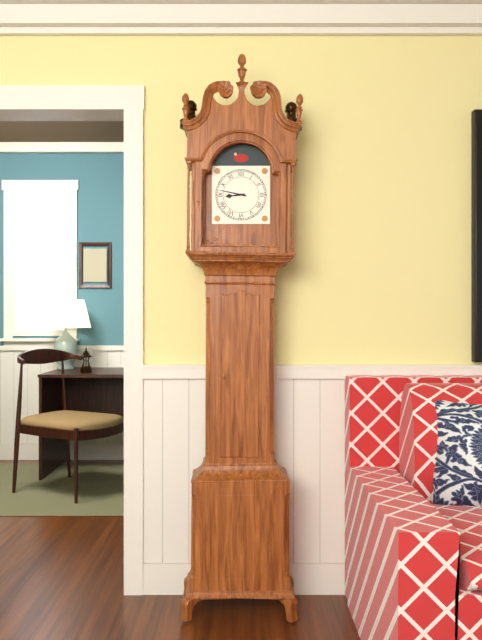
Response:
{"hour": 8, "minute": 47}
